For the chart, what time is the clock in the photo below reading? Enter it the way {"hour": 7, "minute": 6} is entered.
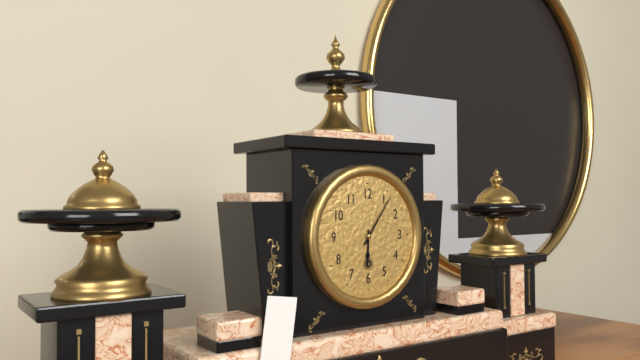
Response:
{"hour": 6, "minute": 6}
